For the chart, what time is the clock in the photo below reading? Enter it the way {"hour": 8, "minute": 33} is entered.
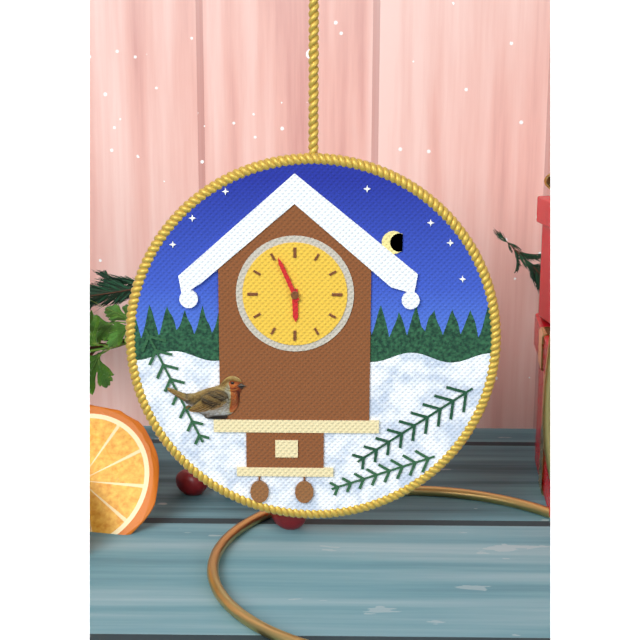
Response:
{"hour": 5, "minute": 56}
